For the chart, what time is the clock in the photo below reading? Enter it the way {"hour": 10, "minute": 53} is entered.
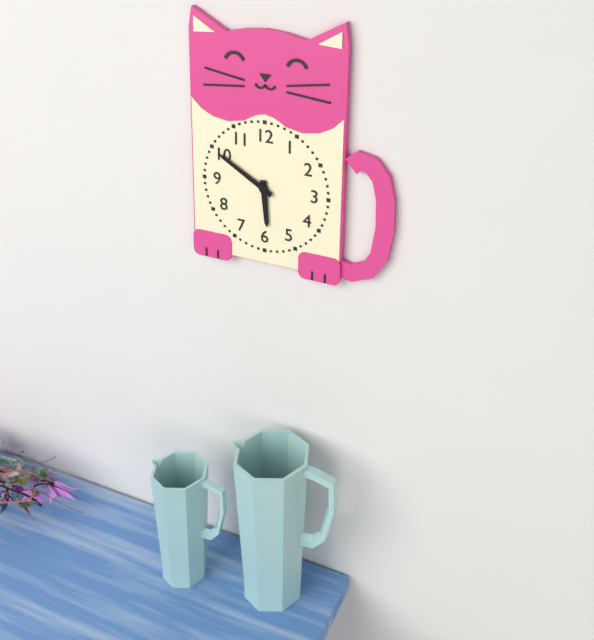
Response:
{"hour": 5, "minute": 50}
